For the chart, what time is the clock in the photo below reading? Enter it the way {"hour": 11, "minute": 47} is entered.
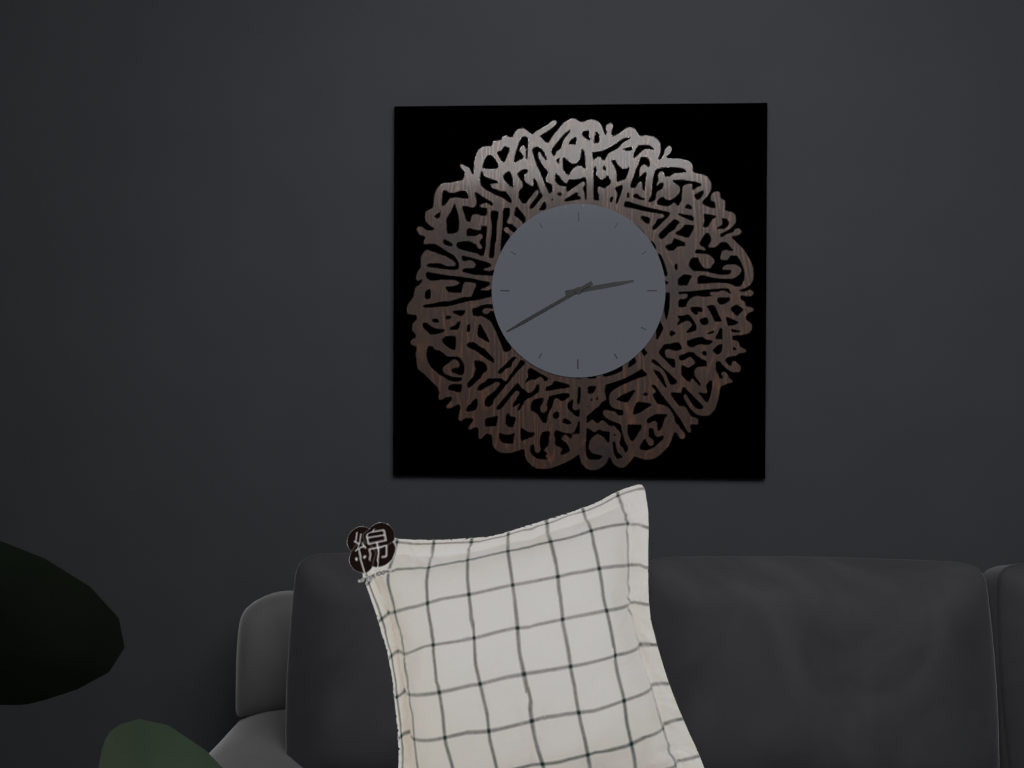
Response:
{"hour": 2, "minute": 40}
